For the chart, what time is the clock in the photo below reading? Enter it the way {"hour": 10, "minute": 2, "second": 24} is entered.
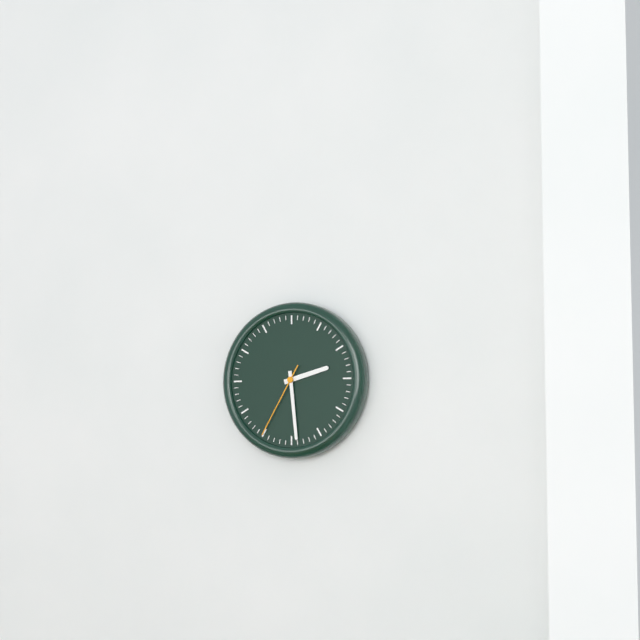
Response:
{"hour": 2, "minute": 29, "second": 35}
